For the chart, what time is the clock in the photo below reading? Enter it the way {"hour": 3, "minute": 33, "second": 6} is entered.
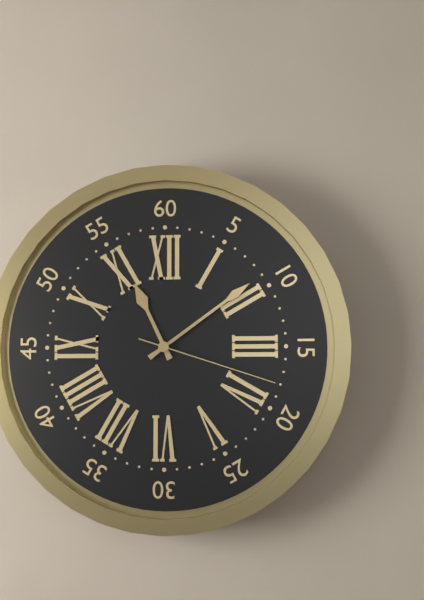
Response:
{"hour": 11, "minute": 9, "second": 18}
